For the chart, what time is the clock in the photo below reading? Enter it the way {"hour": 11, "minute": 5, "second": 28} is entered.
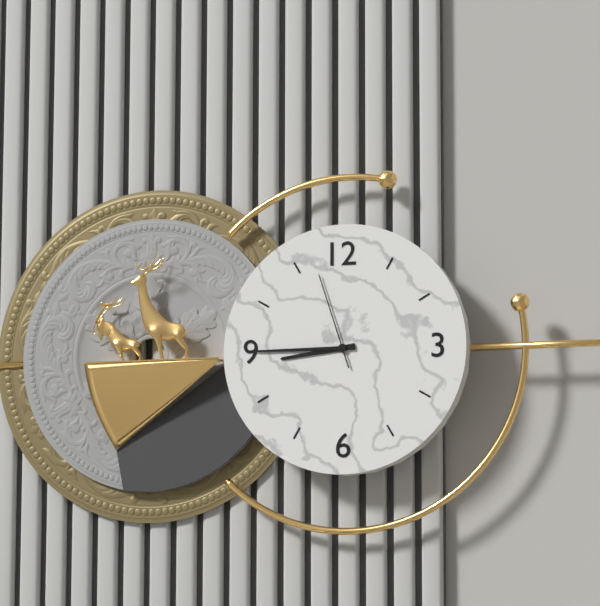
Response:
{"hour": 8, "minute": 45, "second": 57}
